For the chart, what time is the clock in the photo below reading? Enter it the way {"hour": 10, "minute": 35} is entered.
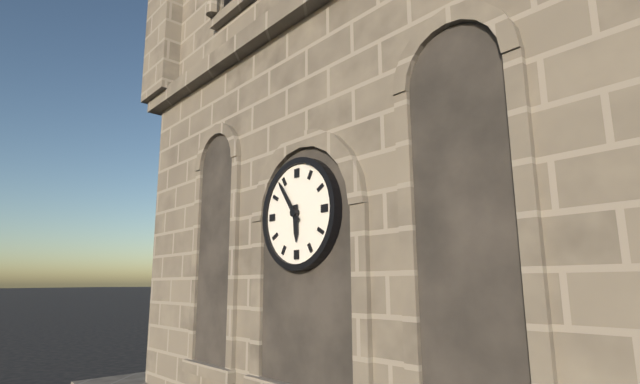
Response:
{"hour": 5, "minute": 54}
